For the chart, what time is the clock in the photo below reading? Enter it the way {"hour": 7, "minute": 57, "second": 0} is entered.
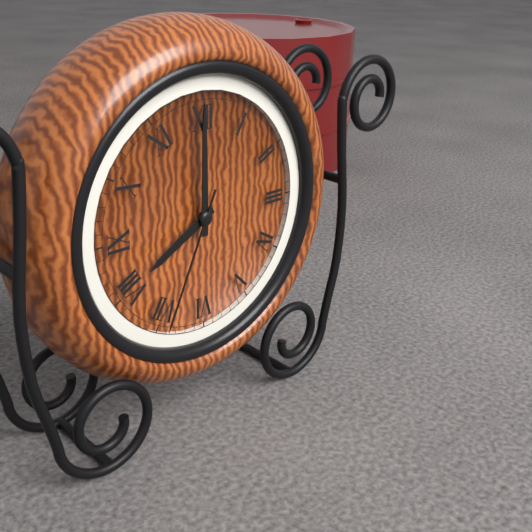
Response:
{"hour": 8, "minute": 0, "second": 34}
